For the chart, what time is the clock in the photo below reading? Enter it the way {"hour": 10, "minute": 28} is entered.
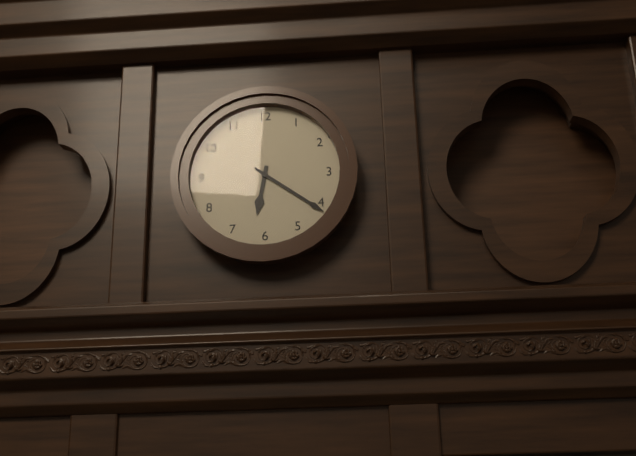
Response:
{"hour": 6, "minute": 21}
